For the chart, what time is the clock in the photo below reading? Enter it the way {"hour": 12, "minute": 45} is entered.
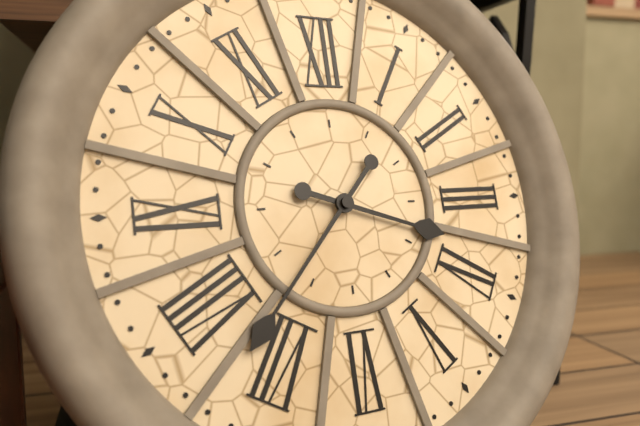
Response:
{"hour": 3, "minute": 37}
